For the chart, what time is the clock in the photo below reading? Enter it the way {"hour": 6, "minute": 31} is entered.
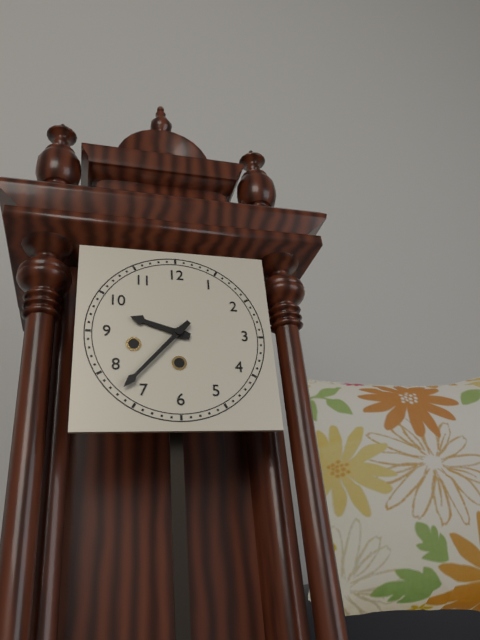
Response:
{"hour": 9, "minute": 37}
